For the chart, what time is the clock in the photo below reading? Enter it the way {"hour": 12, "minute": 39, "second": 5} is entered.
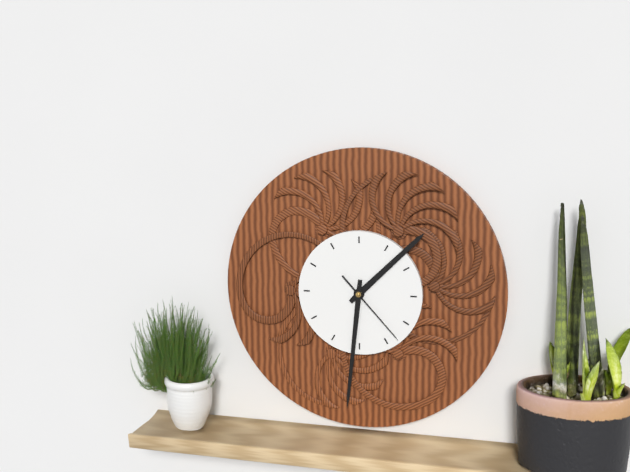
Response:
{"hour": 1, "minute": 31, "second": 23}
